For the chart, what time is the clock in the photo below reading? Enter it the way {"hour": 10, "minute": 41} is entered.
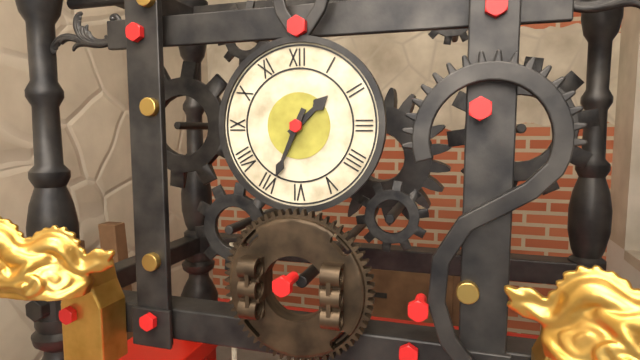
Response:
{"hour": 1, "minute": 34}
